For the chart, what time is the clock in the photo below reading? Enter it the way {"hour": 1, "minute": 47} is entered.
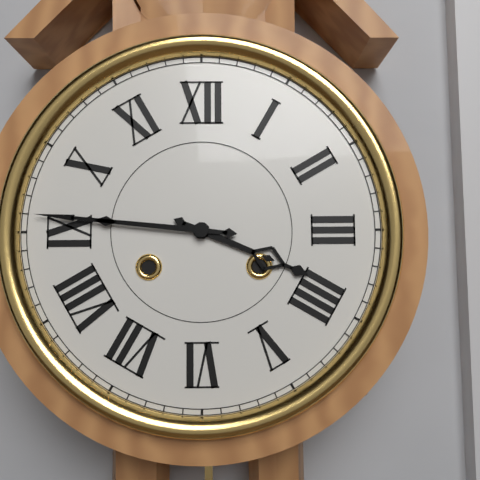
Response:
{"hour": 3, "minute": 46}
